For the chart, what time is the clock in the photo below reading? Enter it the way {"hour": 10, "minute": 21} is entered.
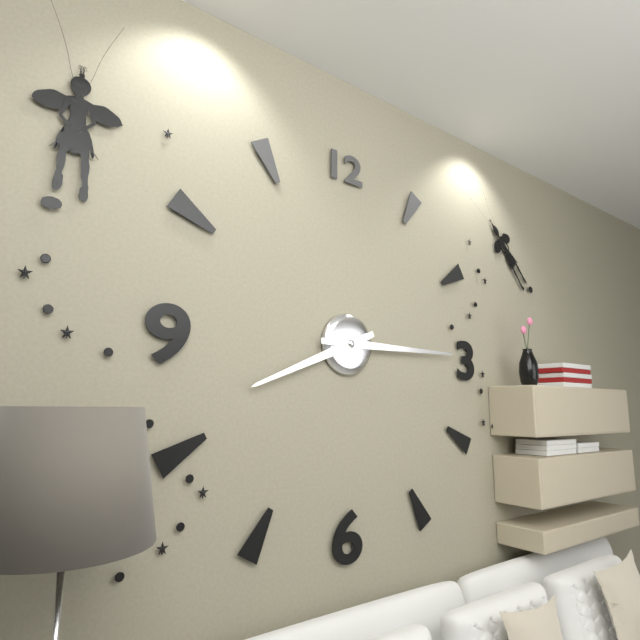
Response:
{"hour": 8, "minute": 15}
